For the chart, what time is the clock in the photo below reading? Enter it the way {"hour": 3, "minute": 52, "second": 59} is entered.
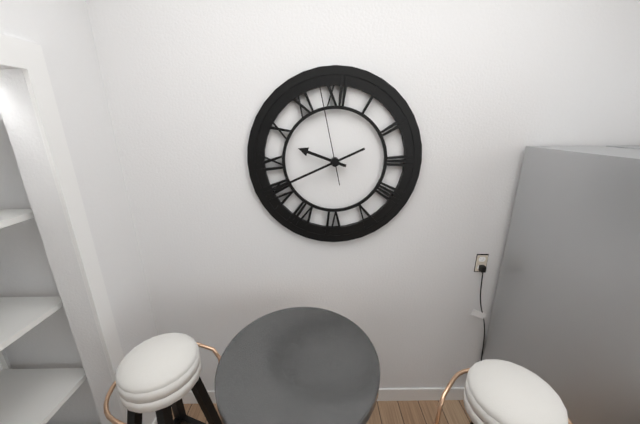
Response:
{"hour": 9, "minute": 41, "second": 58}
